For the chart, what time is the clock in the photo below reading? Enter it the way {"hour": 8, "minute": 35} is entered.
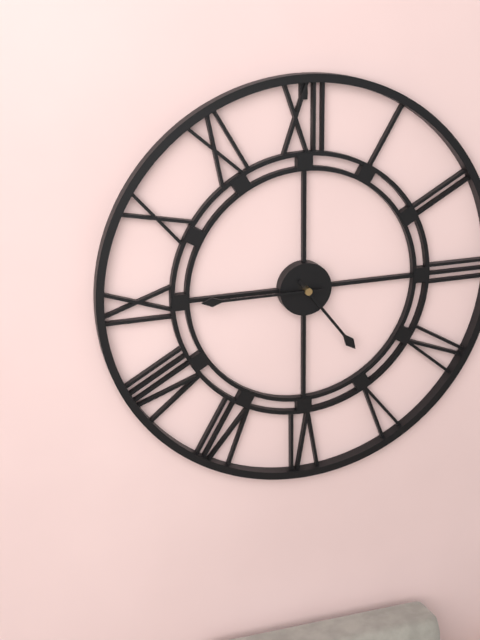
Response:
{"hour": 4, "minute": 45}
